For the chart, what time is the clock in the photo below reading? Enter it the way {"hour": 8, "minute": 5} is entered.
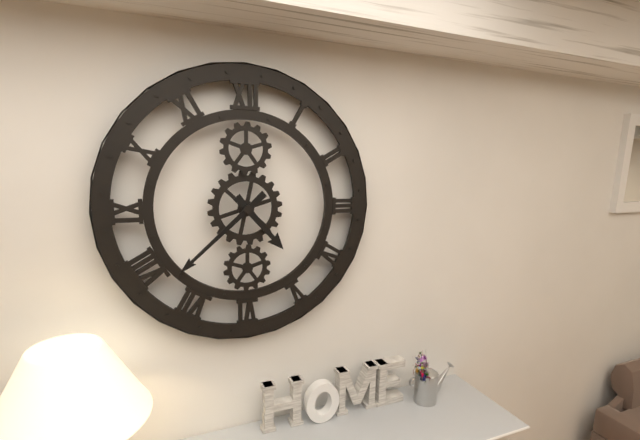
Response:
{"hour": 4, "minute": 38}
